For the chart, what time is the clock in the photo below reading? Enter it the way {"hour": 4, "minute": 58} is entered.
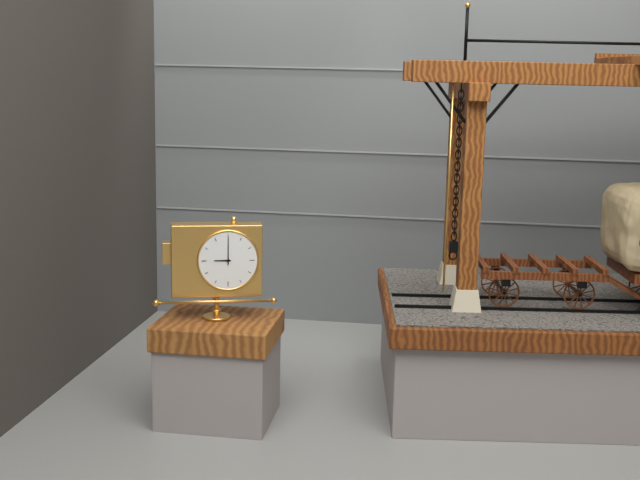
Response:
{"hour": 9, "minute": 0}
